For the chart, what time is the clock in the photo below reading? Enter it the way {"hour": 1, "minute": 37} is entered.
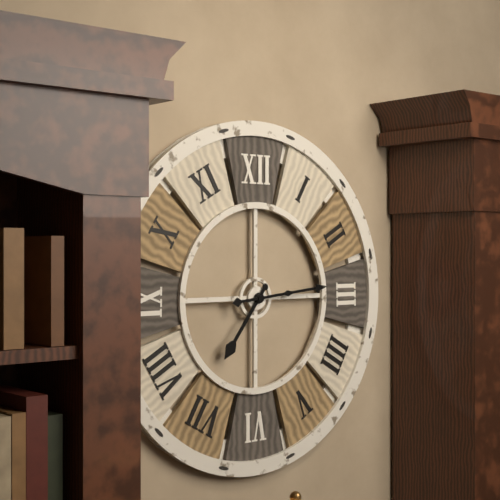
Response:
{"hour": 7, "minute": 14}
